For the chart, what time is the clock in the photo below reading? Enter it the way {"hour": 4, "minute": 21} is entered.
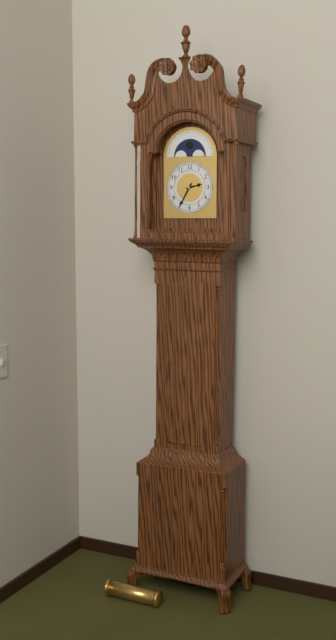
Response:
{"hour": 2, "minute": 35}
